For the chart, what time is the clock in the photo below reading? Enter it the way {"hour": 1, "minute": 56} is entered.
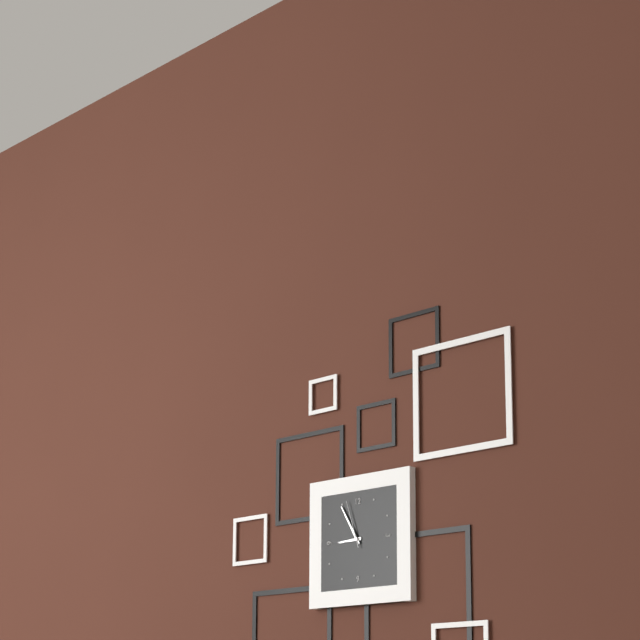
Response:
{"hour": 8, "minute": 55}
